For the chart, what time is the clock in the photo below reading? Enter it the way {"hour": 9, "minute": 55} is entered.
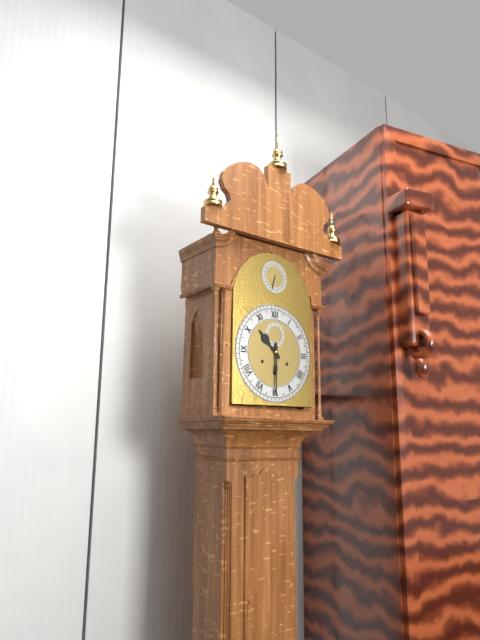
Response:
{"hour": 10, "minute": 30}
